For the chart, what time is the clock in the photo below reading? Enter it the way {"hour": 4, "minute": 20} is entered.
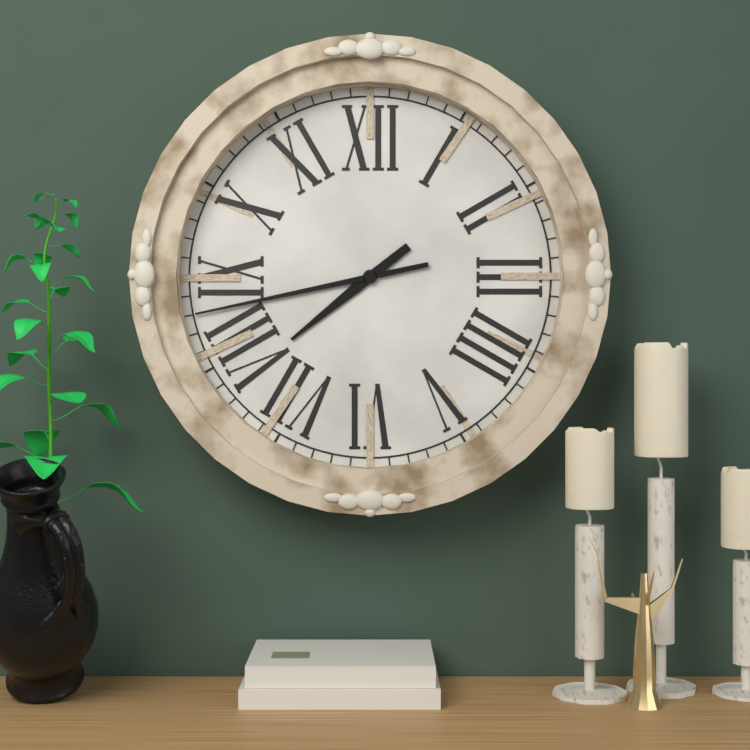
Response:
{"hour": 7, "minute": 43}
